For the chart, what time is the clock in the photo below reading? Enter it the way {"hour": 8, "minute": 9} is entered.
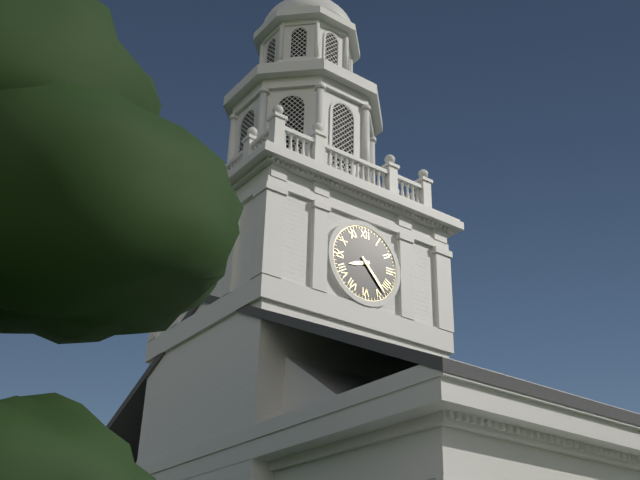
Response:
{"hour": 8, "minute": 23}
